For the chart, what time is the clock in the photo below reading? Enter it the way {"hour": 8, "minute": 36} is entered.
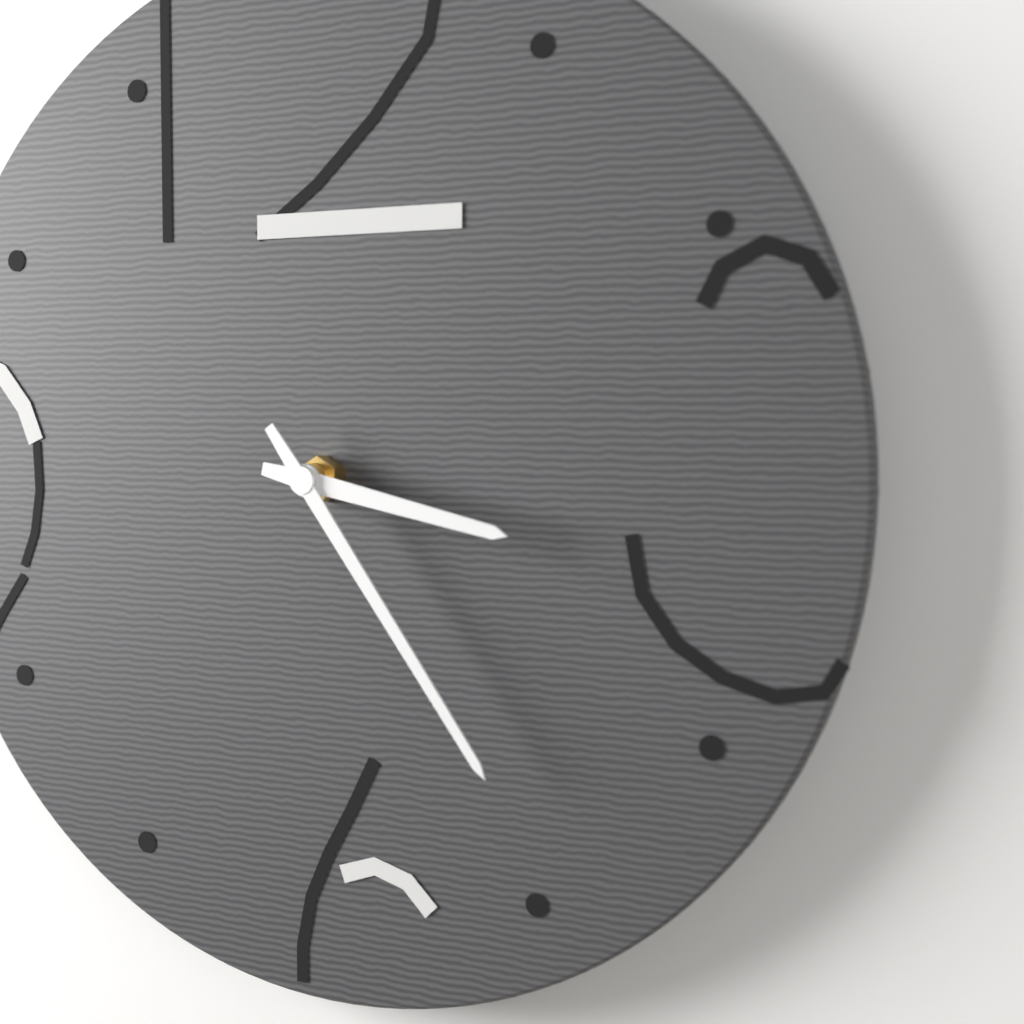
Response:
{"hour": 3, "minute": 24}
